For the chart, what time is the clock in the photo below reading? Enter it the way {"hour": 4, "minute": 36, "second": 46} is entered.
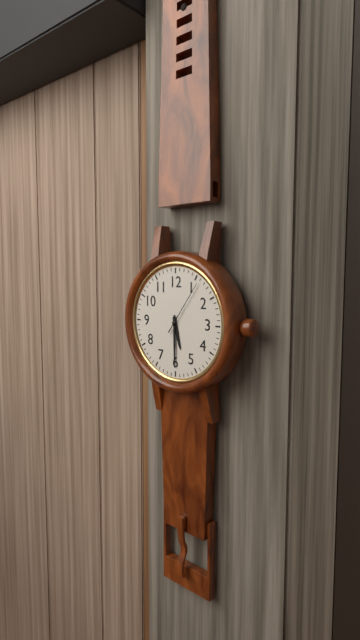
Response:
{"hour": 5, "minute": 30, "second": 6}
